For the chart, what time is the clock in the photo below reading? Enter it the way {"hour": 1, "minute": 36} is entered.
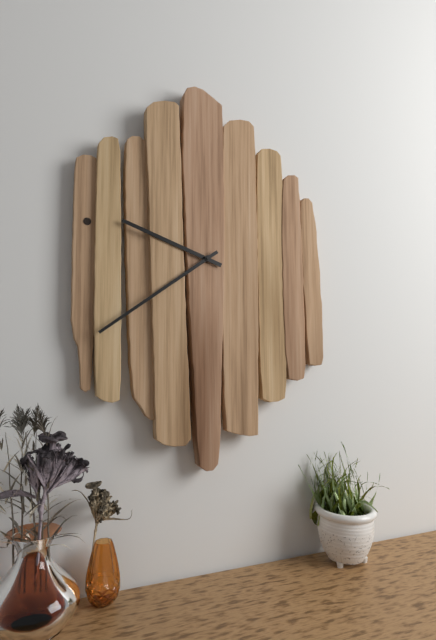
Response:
{"hour": 9, "minute": 39}
